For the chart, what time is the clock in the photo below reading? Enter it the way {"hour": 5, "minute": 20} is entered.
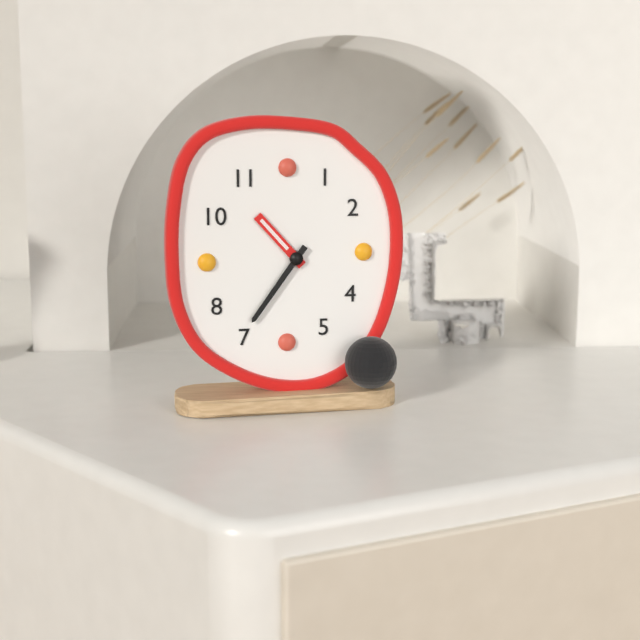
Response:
{"hour": 10, "minute": 36}
